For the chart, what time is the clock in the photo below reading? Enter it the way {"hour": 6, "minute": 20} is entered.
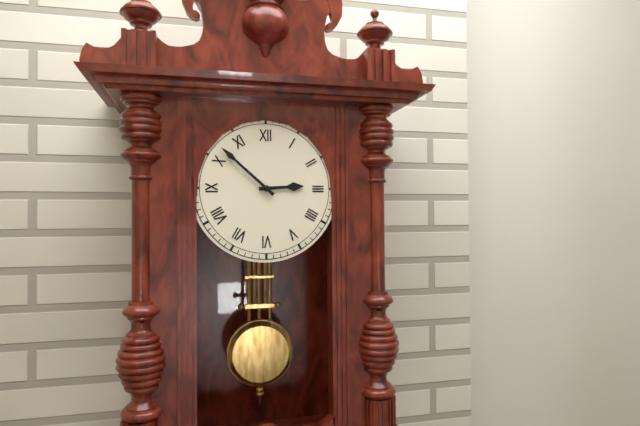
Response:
{"hour": 2, "minute": 52}
